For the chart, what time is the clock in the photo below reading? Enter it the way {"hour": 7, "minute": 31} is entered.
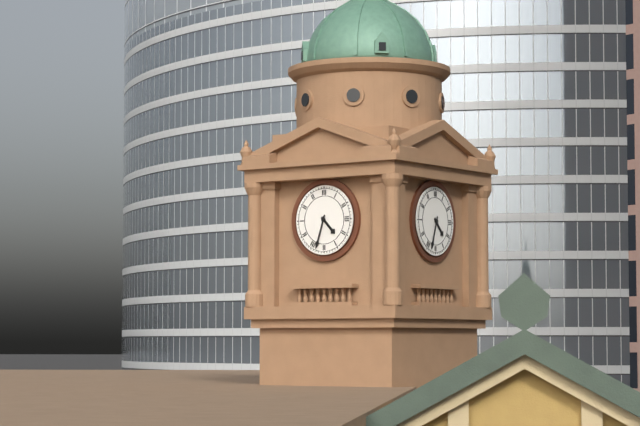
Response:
{"hour": 4, "minute": 33}
